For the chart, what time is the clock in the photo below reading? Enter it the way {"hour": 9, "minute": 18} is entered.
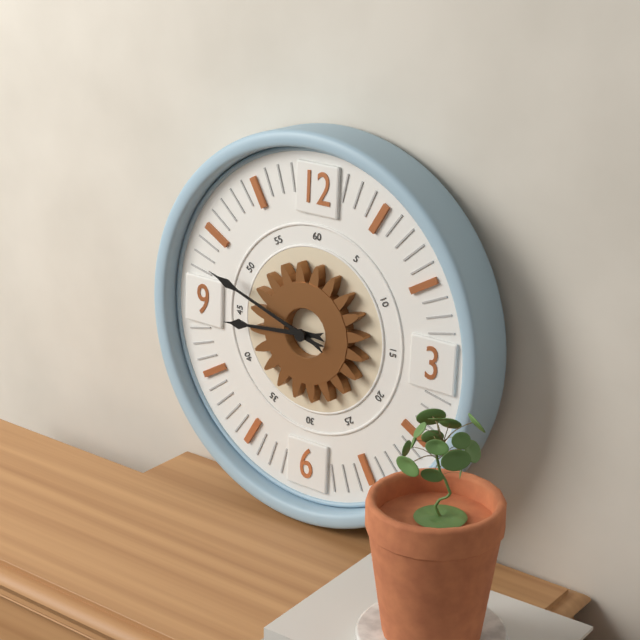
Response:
{"hour": 8, "minute": 48}
